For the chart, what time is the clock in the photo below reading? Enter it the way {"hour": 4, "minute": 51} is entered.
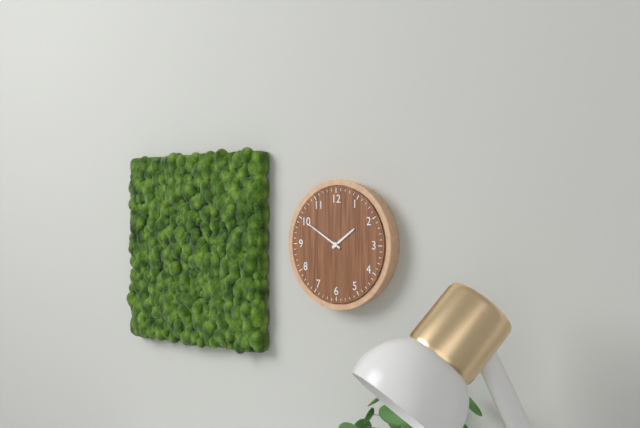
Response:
{"hour": 1, "minute": 50}
